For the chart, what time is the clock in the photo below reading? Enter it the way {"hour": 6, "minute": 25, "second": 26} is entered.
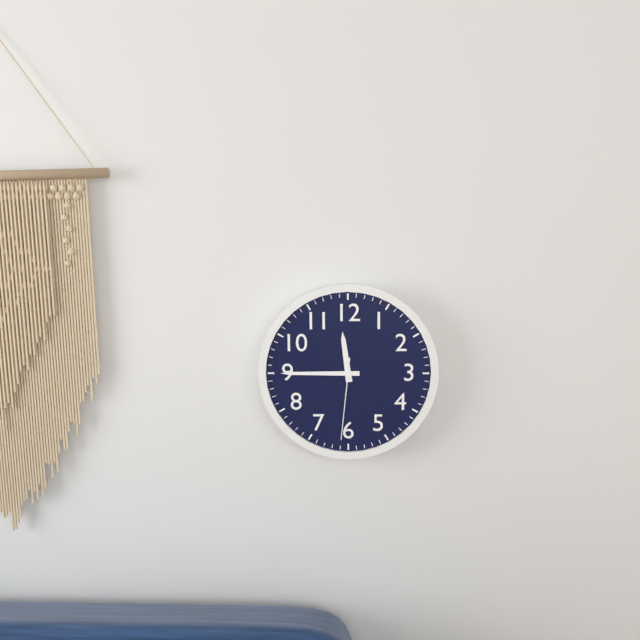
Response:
{"hour": 11, "minute": 45, "second": 31}
